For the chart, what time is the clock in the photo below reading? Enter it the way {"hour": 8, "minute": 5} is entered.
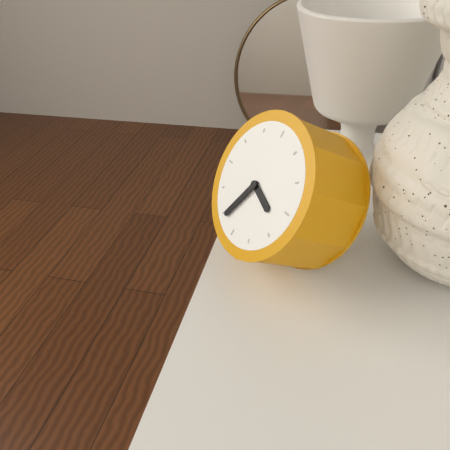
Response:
{"hour": 3, "minute": 34}
